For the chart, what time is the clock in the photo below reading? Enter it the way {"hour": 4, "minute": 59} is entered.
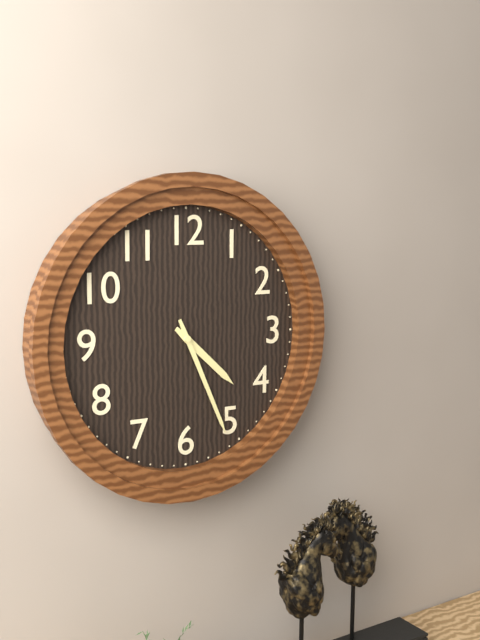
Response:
{"hour": 4, "minute": 26}
